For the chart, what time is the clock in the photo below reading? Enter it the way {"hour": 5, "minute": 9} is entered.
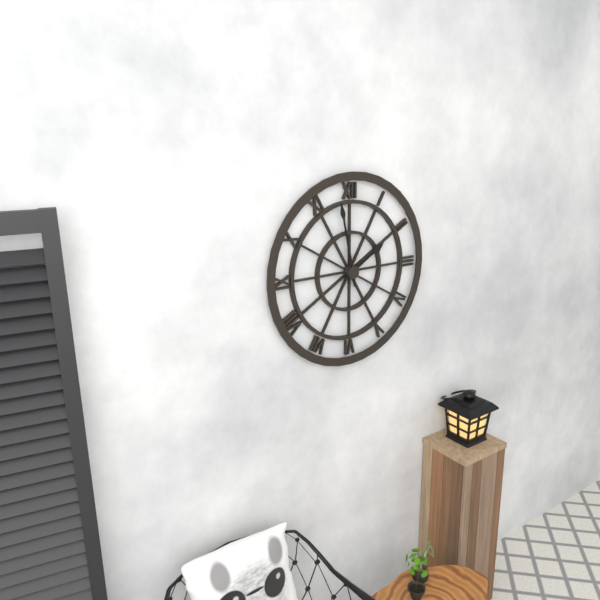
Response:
{"hour": 1, "minute": 58}
